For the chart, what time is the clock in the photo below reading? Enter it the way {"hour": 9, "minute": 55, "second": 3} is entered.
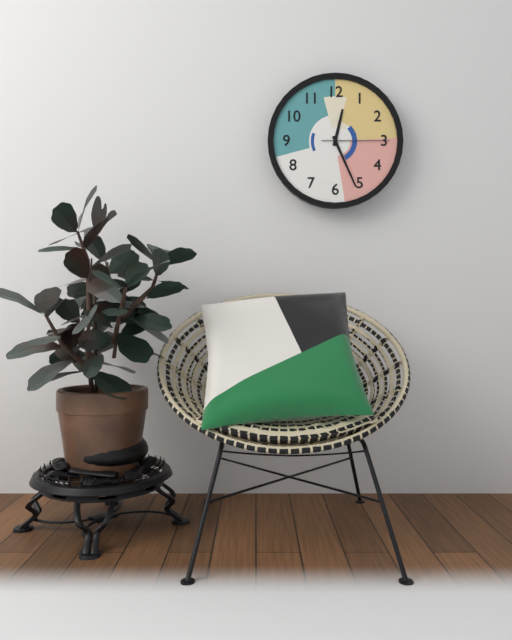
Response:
{"hour": 12, "minute": 26, "second": 15}
